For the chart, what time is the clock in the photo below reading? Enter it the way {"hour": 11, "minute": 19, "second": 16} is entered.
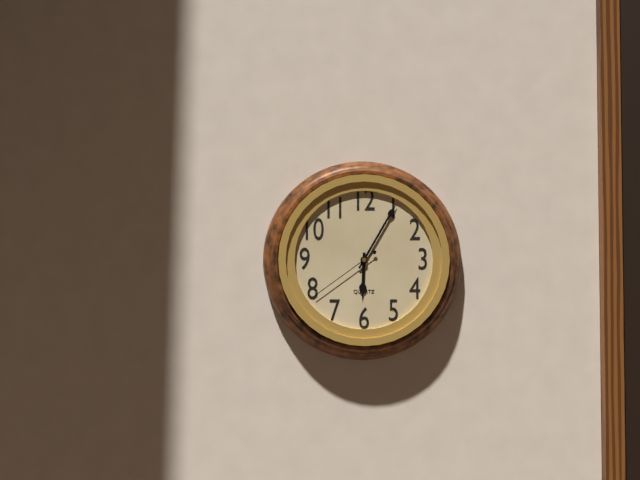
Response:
{"hour": 6, "minute": 5, "second": 39}
